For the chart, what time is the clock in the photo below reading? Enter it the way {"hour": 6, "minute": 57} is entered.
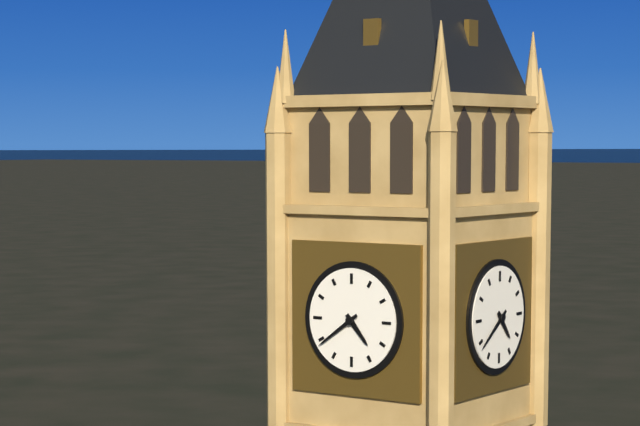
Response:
{"hour": 4, "minute": 39}
